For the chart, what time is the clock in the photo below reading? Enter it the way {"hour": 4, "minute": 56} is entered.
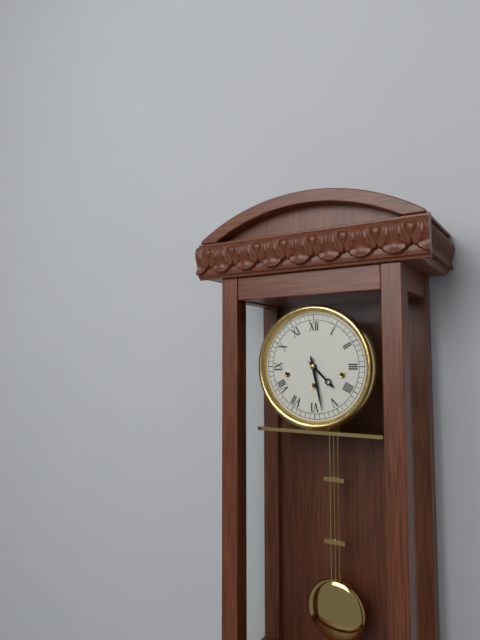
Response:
{"hour": 4, "minute": 28}
